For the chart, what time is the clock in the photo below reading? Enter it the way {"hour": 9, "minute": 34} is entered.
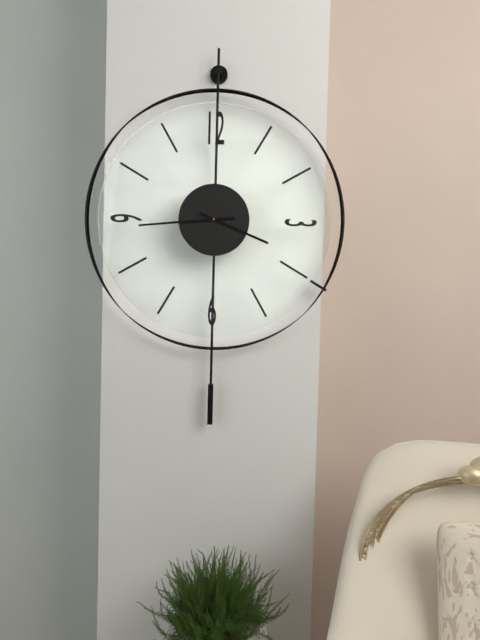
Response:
{"hour": 3, "minute": 44}
